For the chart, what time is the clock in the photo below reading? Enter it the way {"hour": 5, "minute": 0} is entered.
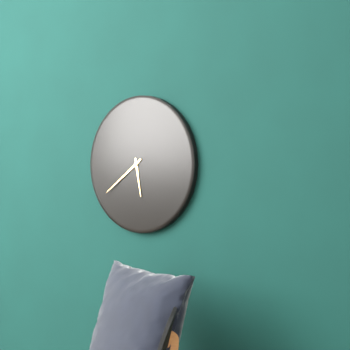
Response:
{"hour": 5, "minute": 39}
